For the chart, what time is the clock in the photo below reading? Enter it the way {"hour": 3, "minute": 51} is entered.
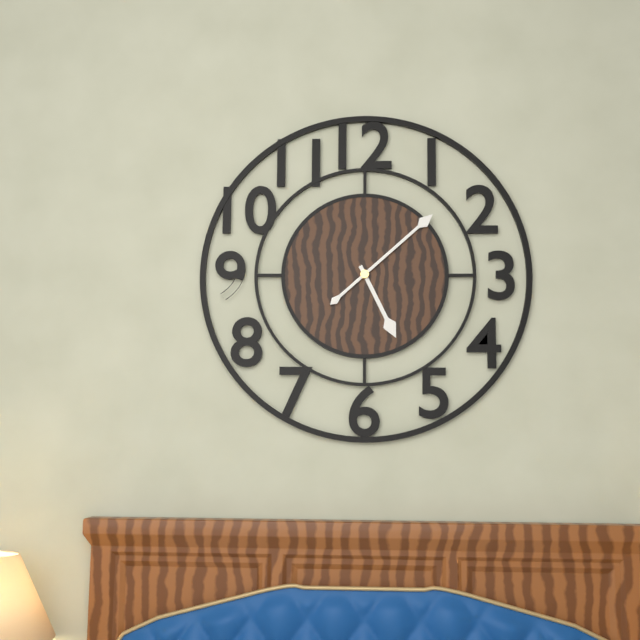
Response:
{"hour": 5, "minute": 8}
